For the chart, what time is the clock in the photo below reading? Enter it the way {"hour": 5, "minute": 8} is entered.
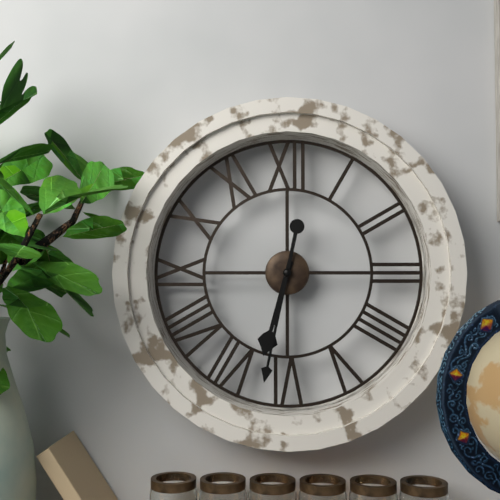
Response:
{"hour": 6, "minute": 32}
